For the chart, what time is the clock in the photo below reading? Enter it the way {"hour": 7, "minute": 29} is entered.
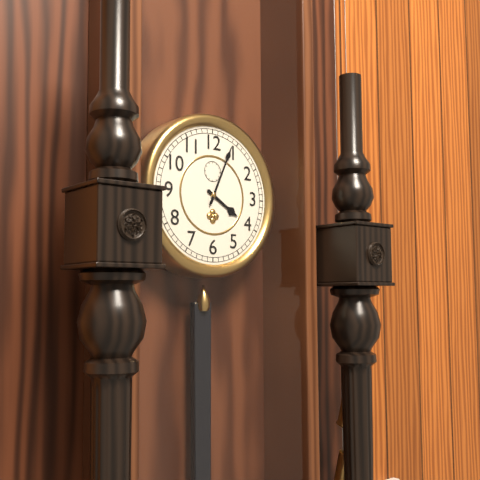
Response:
{"hour": 4, "minute": 4}
